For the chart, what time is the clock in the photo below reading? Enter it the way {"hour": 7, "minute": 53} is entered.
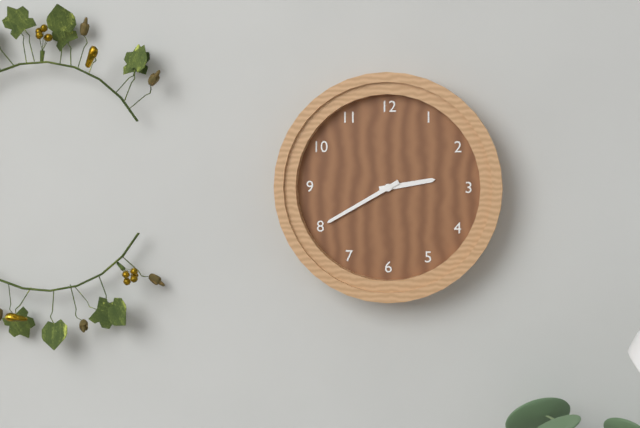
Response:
{"hour": 2, "minute": 40}
